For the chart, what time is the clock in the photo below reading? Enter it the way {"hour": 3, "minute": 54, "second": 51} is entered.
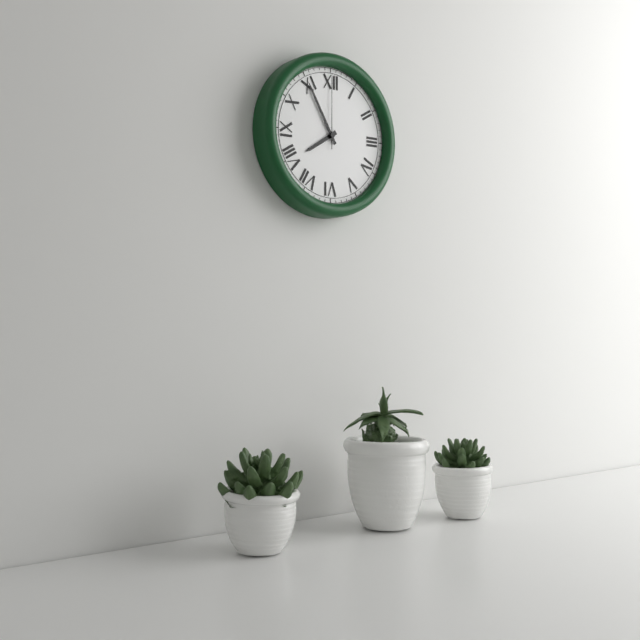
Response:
{"hour": 7, "minute": 55, "second": 0}
